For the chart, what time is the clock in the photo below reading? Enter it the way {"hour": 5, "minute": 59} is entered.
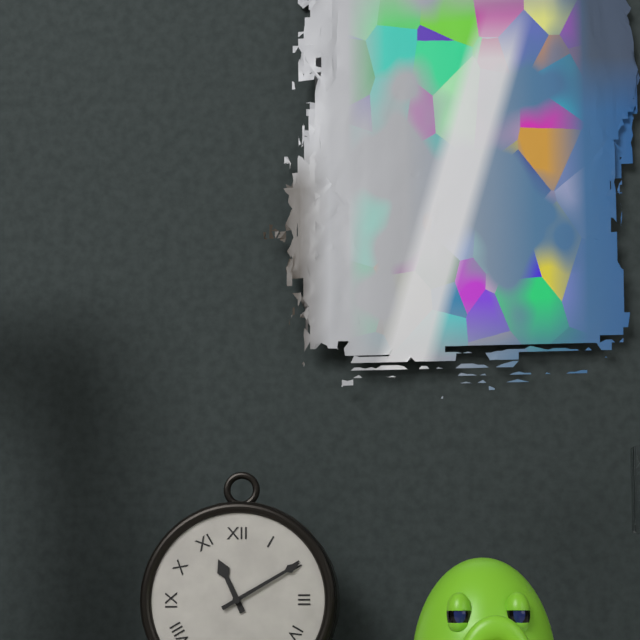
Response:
{"hour": 11, "minute": 10}
